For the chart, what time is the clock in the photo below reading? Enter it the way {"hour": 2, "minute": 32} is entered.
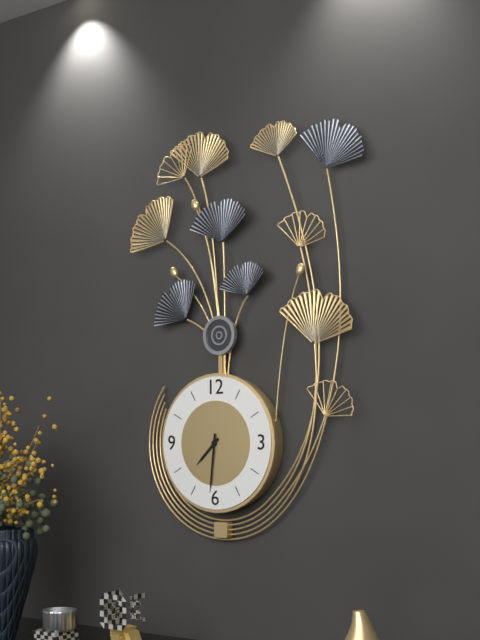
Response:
{"hour": 7, "minute": 31}
